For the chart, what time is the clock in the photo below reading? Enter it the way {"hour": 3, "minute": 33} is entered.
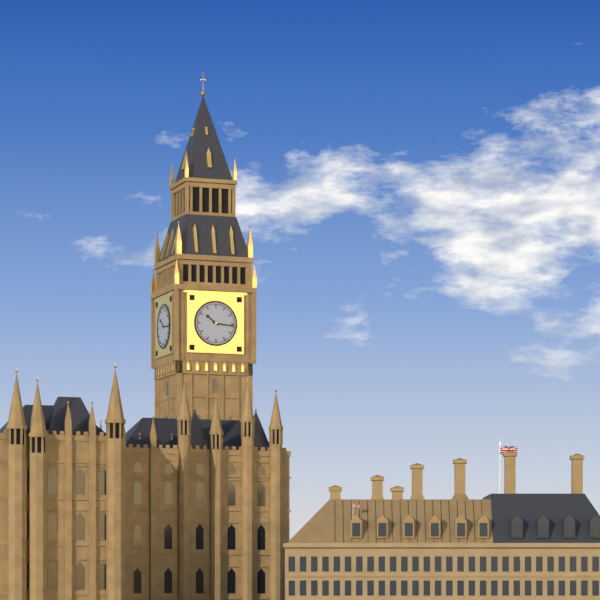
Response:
{"hour": 10, "minute": 16}
